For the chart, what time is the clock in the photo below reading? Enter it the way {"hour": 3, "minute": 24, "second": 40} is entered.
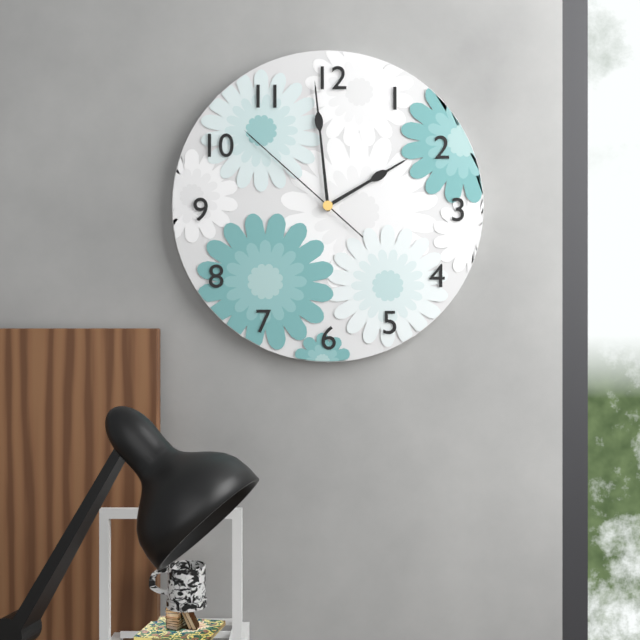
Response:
{"hour": 1, "minute": 59, "second": 52}
